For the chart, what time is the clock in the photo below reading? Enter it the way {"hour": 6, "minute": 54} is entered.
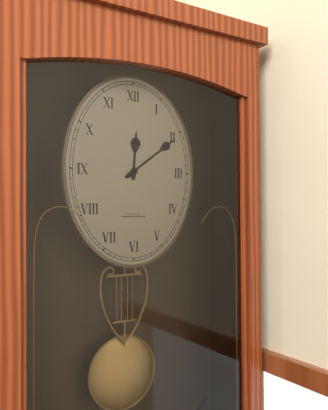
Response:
{"hour": 12, "minute": 9}
